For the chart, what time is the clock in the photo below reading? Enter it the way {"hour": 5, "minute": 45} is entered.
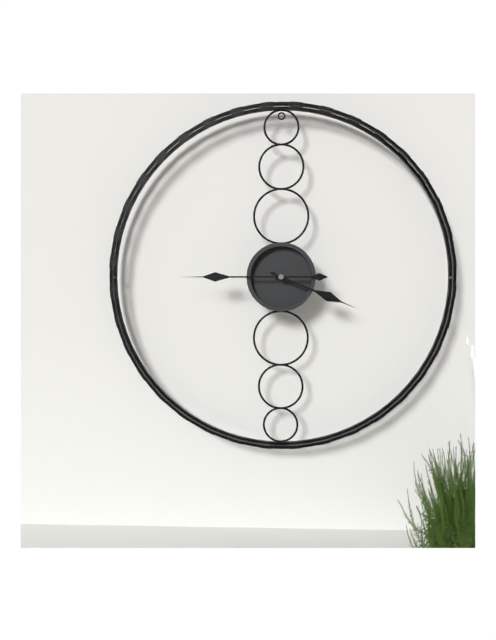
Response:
{"hour": 3, "minute": 45}
